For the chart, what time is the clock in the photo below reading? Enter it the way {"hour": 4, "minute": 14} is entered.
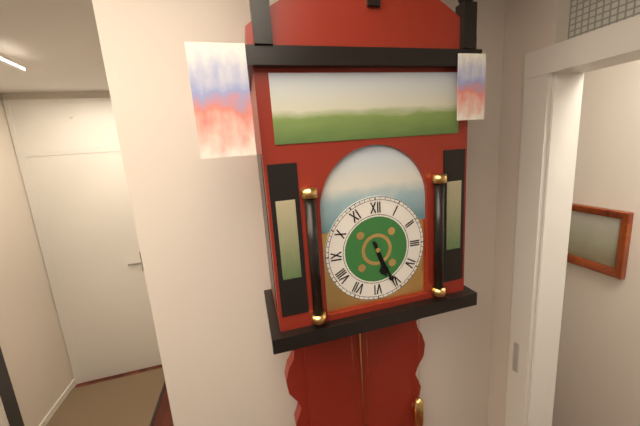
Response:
{"hour": 5, "minute": 26}
